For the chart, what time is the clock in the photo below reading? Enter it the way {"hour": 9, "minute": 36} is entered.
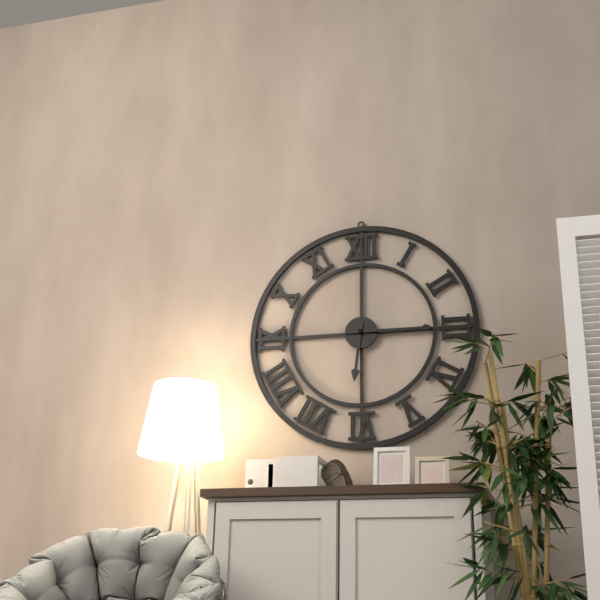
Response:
{"hour": 6, "minute": 15}
